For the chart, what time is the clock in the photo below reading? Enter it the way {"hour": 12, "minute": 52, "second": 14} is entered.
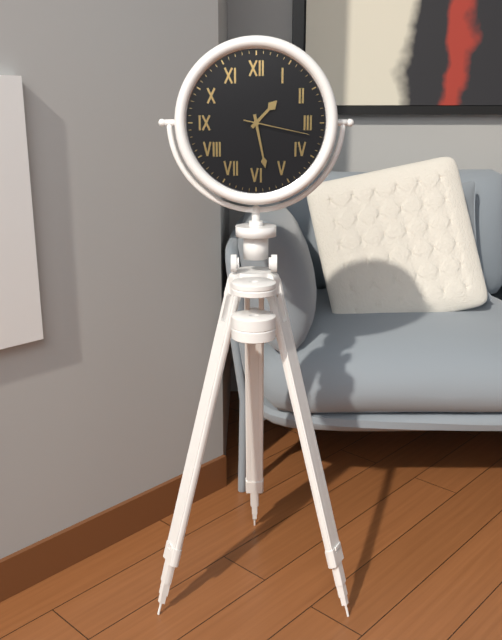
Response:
{"hour": 1, "minute": 28, "second": 17}
